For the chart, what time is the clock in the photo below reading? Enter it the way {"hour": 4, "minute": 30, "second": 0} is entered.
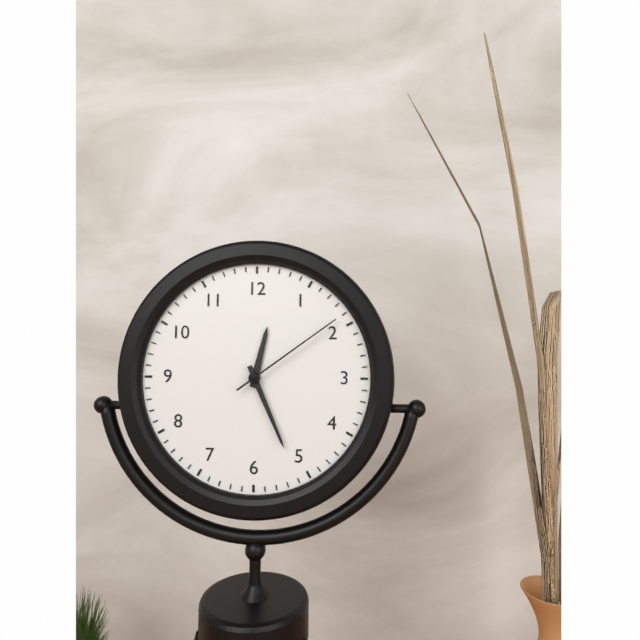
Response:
{"hour": 12, "minute": 26, "second": 9}
